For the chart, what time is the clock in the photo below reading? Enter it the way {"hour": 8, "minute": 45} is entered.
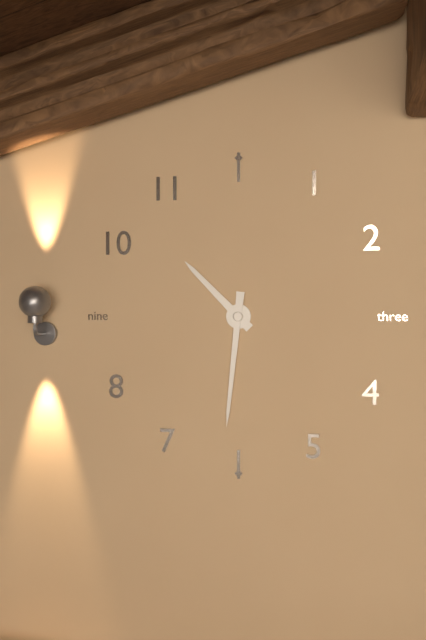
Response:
{"hour": 10, "minute": 31}
